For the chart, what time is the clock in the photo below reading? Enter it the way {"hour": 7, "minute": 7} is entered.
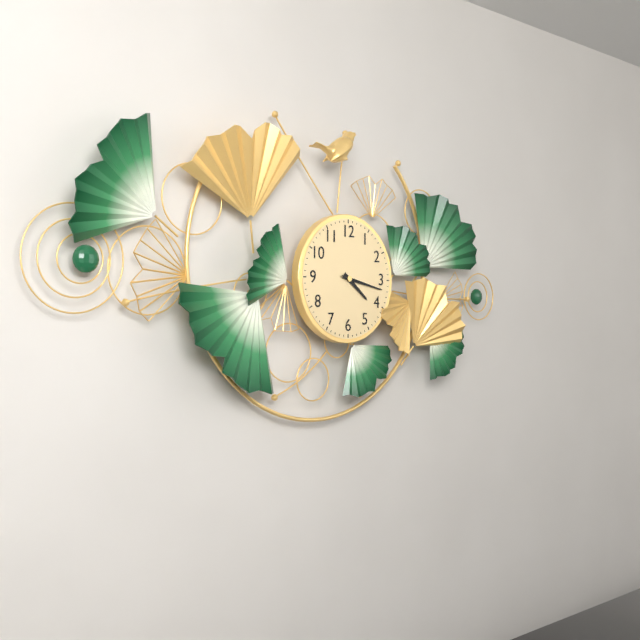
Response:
{"hour": 4, "minute": 17}
